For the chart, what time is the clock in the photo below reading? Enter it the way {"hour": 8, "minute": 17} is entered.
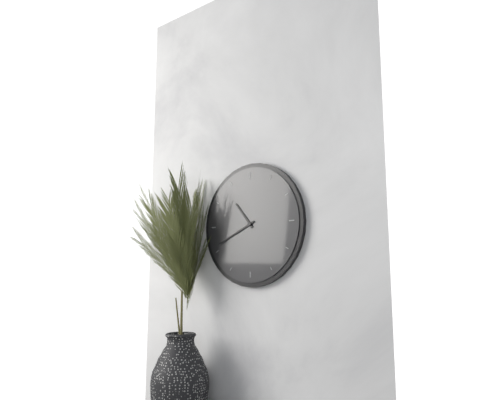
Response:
{"hour": 10, "minute": 41}
